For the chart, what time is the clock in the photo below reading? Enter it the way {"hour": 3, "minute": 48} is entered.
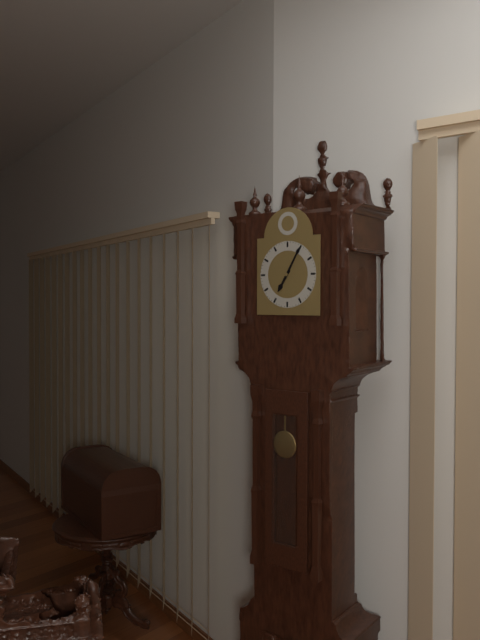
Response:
{"hour": 7, "minute": 5}
